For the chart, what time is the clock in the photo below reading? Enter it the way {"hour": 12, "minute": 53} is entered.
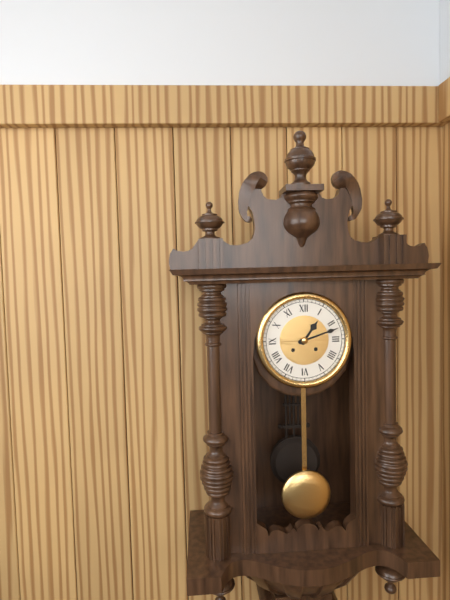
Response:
{"hour": 1, "minute": 12}
